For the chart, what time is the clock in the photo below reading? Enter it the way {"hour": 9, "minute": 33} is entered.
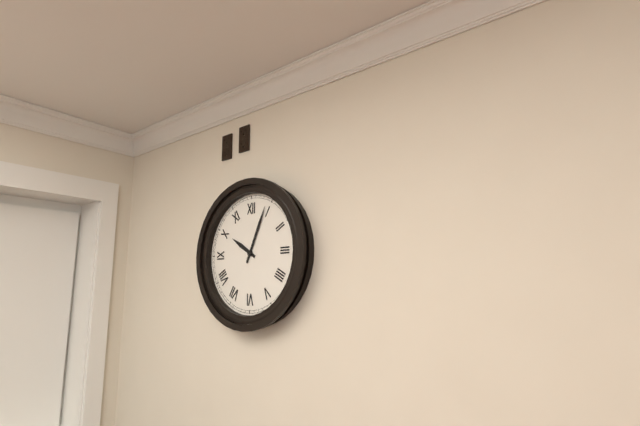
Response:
{"hour": 10, "minute": 4}
